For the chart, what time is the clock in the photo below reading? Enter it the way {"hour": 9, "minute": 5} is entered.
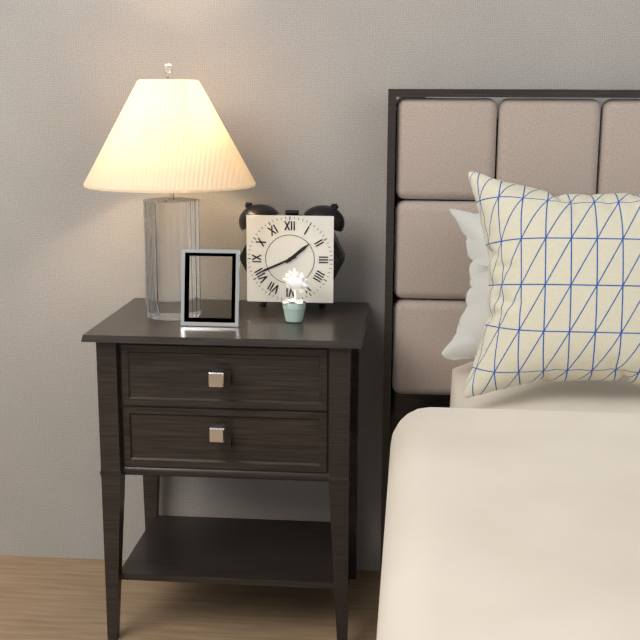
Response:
{"hour": 1, "minute": 41}
